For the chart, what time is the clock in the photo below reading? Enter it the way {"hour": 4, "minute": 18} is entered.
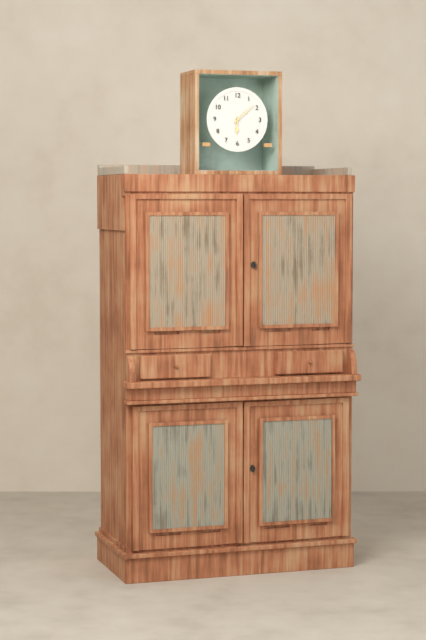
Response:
{"hour": 6, "minute": 8}
